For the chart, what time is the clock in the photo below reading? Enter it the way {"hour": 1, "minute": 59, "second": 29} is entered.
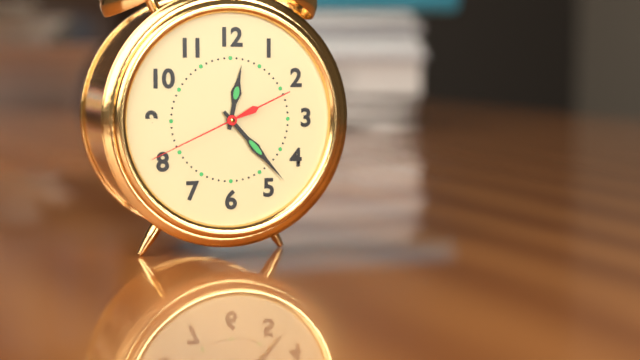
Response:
{"hour": 12, "minute": 23, "second": 41}
